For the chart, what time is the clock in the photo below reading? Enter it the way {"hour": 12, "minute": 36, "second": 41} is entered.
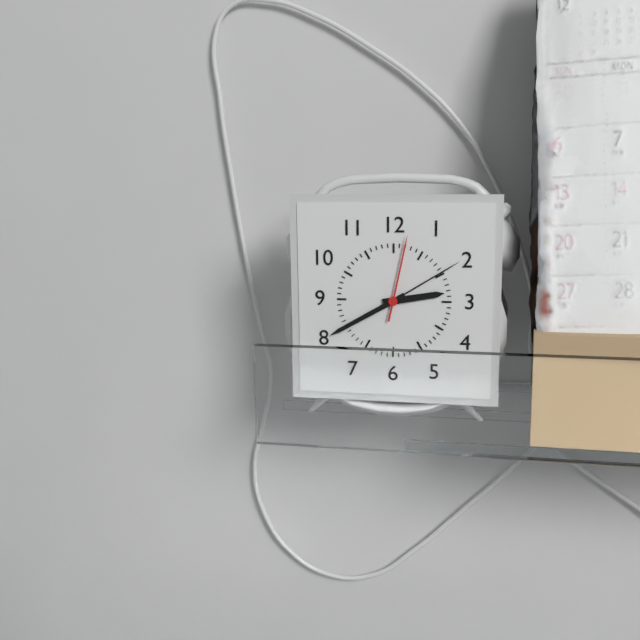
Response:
{"hour": 2, "minute": 40, "second": 2}
